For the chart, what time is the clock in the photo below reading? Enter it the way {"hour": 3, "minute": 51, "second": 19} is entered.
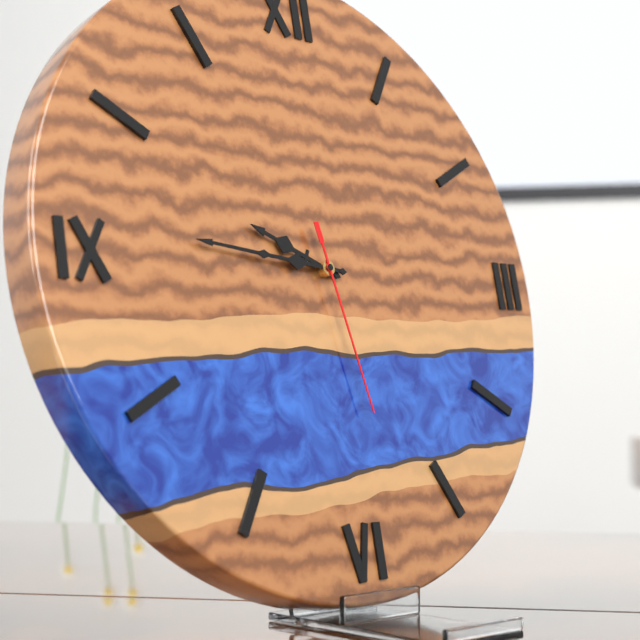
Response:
{"hour": 9, "minute": 46, "second": 28}
